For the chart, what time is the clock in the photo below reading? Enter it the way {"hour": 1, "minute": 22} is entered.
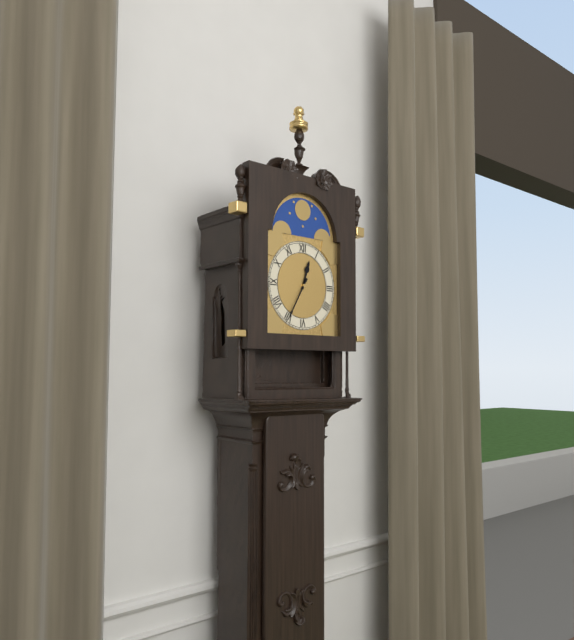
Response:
{"hour": 12, "minute": 35}
